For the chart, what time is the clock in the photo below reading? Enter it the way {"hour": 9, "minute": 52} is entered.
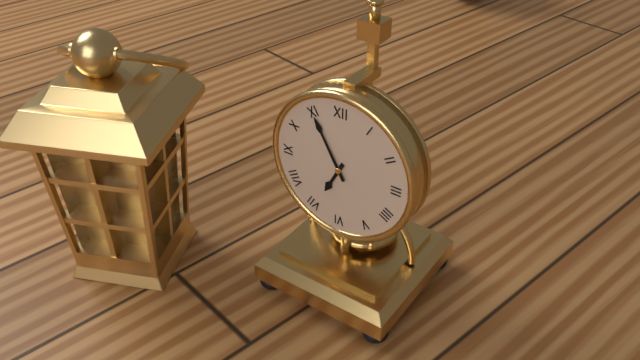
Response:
{"hour": 6, "minute": 55}
